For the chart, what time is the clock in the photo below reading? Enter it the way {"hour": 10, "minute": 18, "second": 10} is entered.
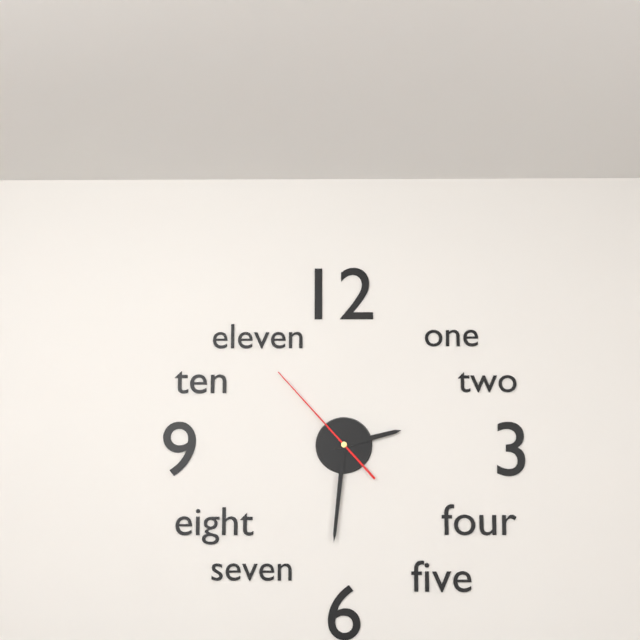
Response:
{"hour": 2, "minute": 31, "second": 53}
